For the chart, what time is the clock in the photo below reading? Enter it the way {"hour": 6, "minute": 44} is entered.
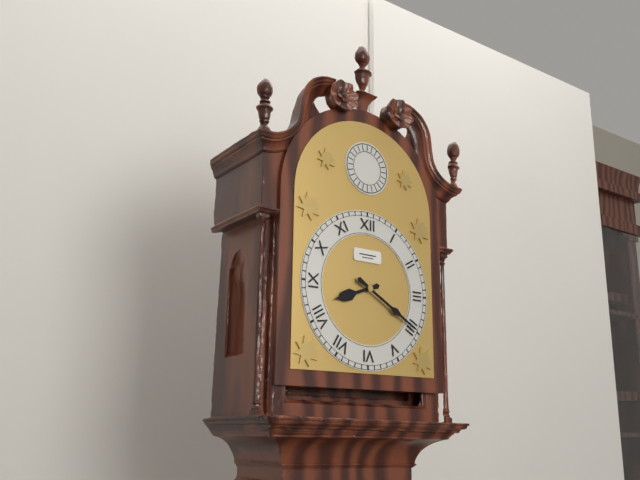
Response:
{"hour": 8, "minute": 20}
